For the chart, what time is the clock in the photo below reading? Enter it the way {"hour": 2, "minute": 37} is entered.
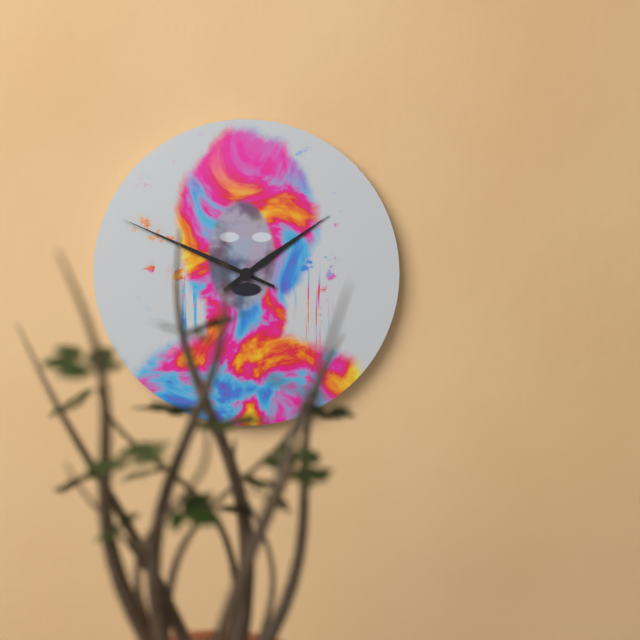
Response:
{"hour": 1, "minute": 49}
